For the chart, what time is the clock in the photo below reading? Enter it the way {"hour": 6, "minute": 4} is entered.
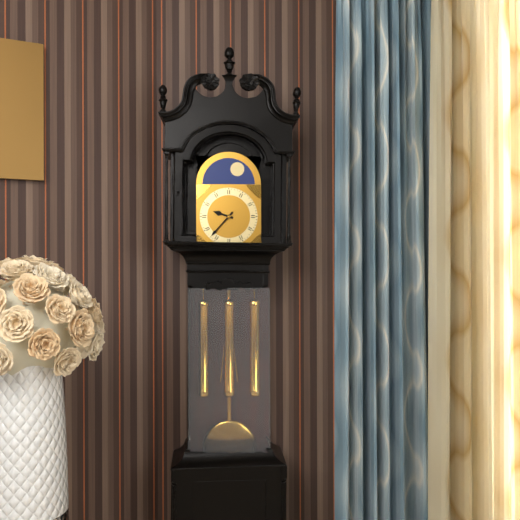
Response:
{"hour": 9, "minute": 37}
